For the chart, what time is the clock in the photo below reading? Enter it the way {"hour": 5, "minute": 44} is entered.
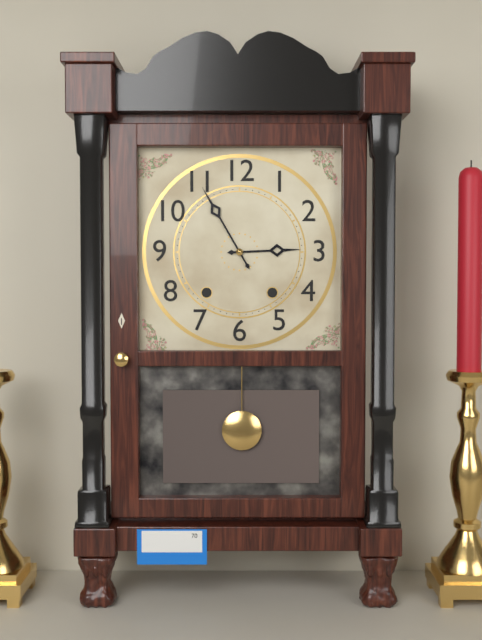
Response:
{"hour": 2, "minute": 55}
